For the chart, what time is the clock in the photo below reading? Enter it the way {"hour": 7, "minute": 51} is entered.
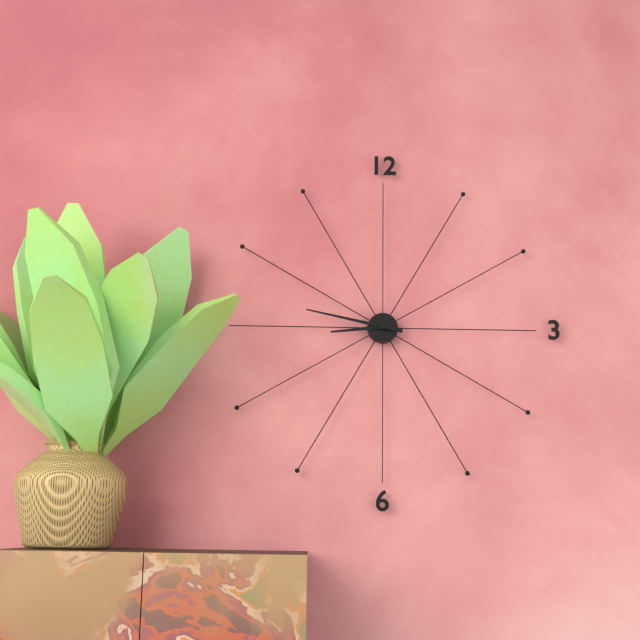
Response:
{"hour": 8, "minute": 47}
